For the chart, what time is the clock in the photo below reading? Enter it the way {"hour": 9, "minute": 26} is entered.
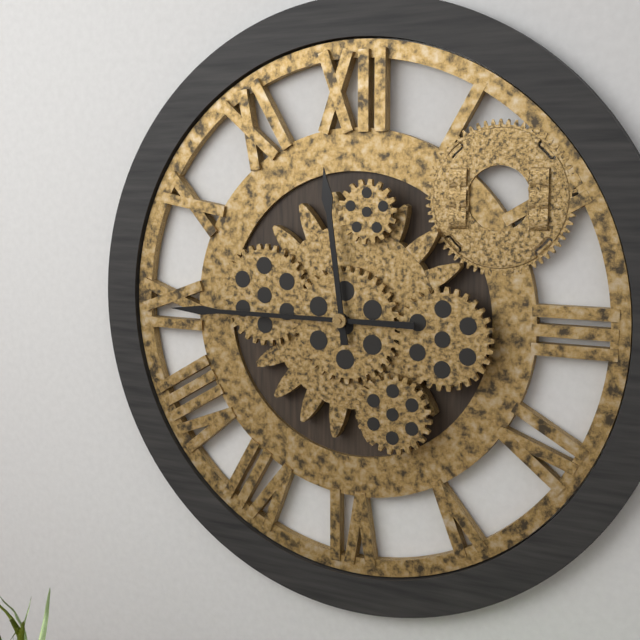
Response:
{"hour": 11, "minute": 45}
